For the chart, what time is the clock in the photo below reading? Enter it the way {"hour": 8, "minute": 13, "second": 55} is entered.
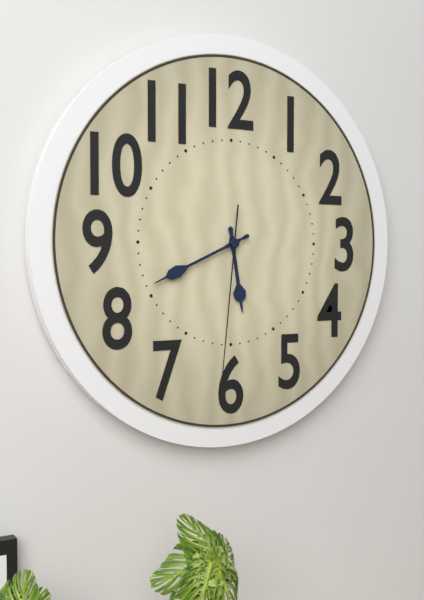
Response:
{"hour": 5, "minute": 41, "second": 31}
